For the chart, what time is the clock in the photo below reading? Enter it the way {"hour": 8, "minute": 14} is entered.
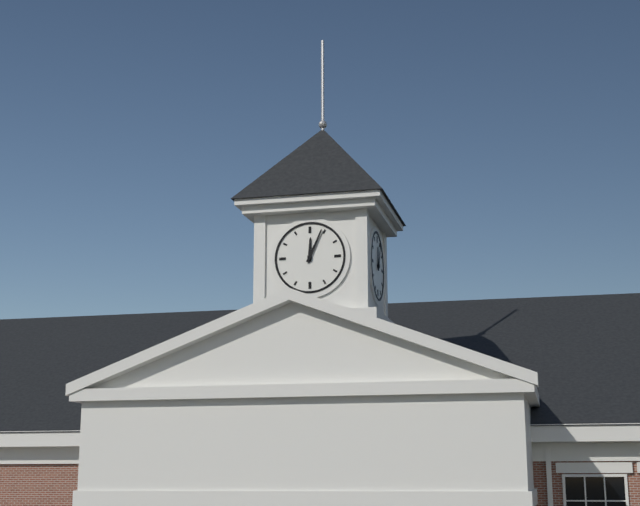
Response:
{"hour": 12, "minute": 4}
